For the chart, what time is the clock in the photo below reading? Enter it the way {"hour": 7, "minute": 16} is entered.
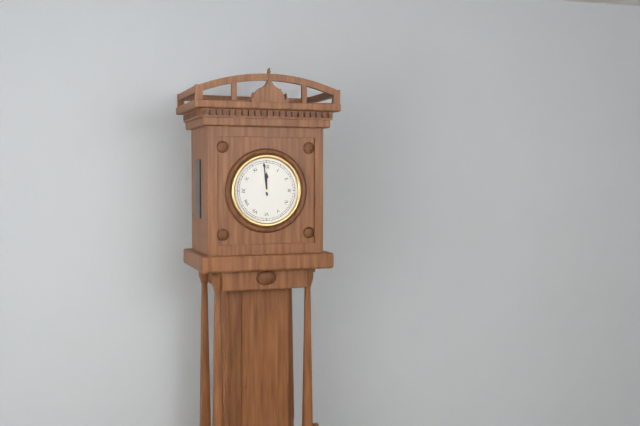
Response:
{"hour": 11, "minute": 59}
